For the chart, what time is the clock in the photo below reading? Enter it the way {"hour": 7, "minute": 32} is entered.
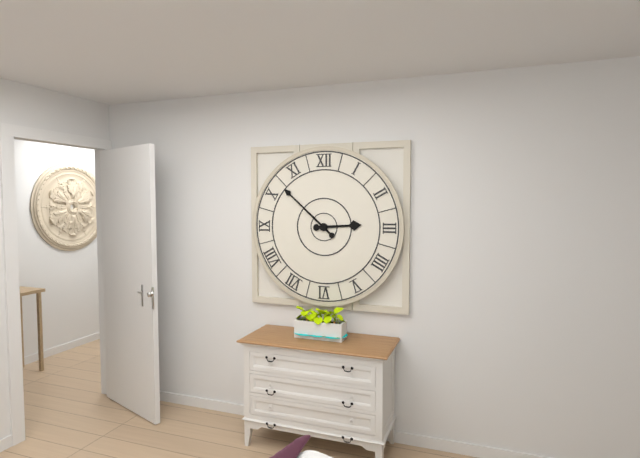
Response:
{"hour": 2, "minute": 52}
